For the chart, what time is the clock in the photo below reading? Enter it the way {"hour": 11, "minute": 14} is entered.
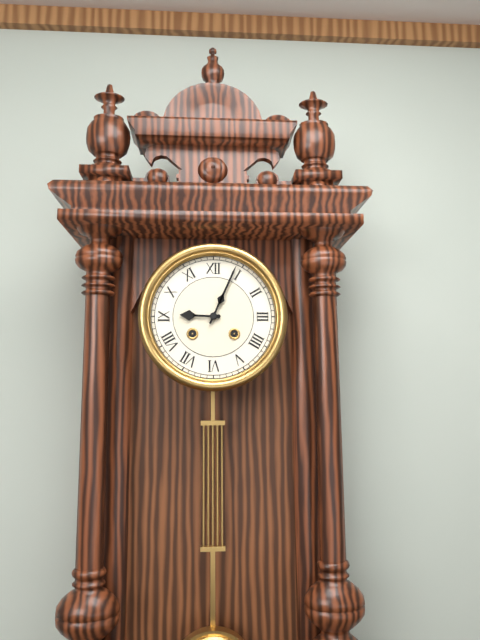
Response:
{"hour": 9, "minute": 4}
